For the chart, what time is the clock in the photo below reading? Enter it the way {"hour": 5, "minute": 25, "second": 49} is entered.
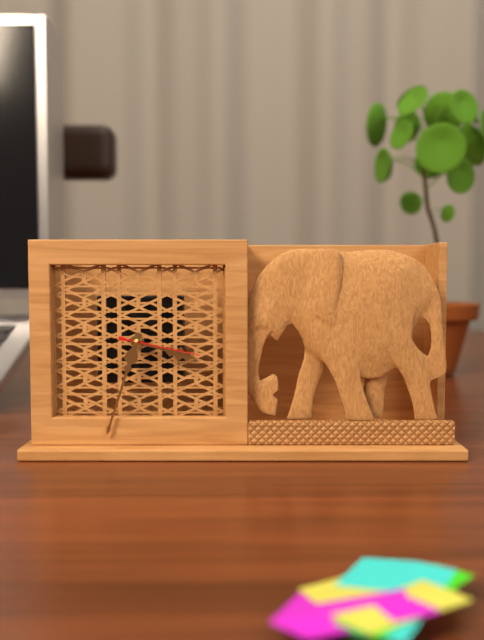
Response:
{"hour": 3, "minute": 33, "second": 17}
